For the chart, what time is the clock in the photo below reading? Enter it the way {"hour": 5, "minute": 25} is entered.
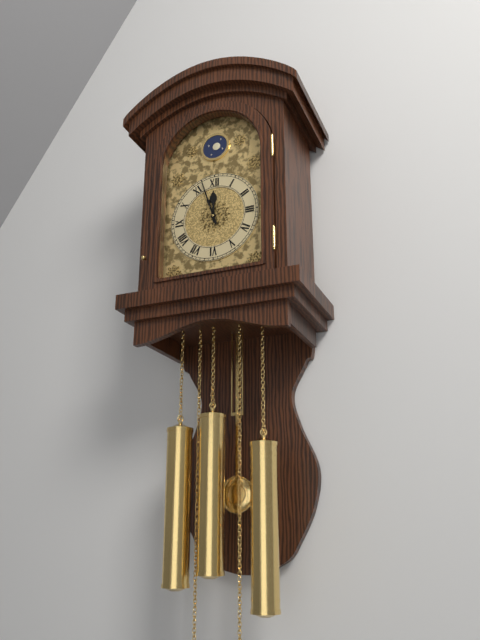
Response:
{"hour": 11, "minute": 57}
